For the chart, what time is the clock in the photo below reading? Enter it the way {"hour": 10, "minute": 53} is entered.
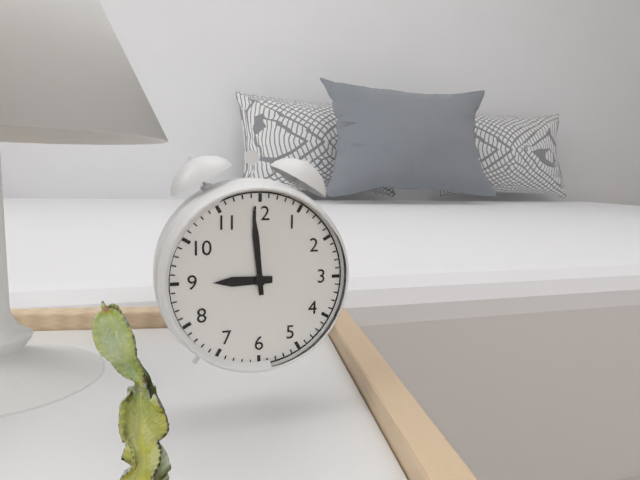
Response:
{"hour": 8, "minute": 59}
